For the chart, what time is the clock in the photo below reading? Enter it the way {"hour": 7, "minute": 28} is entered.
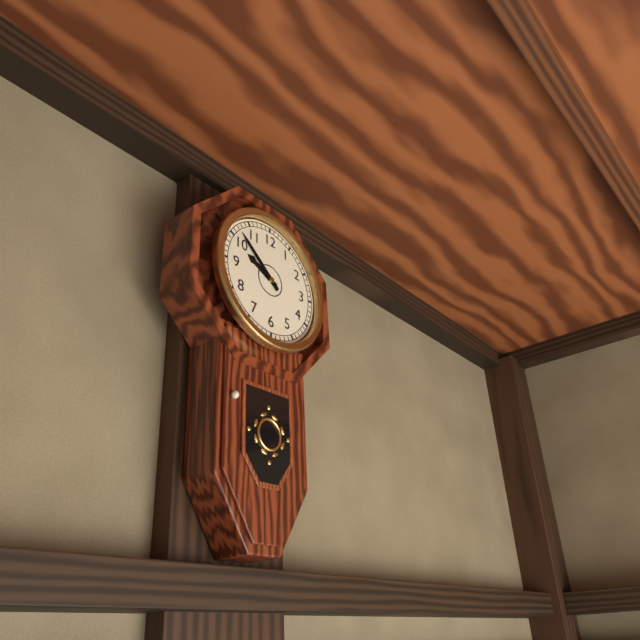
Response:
{"hour": 9, "minute": 52}
